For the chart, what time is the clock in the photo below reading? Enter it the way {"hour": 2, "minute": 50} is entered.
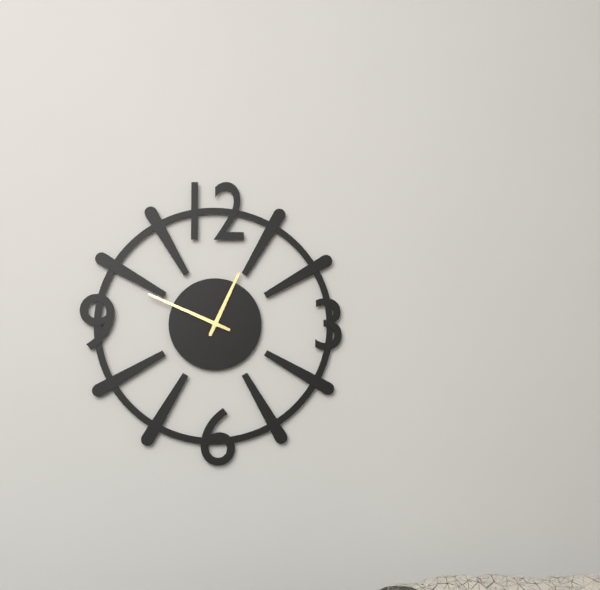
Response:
{"hour": 12, "minute": 49}
